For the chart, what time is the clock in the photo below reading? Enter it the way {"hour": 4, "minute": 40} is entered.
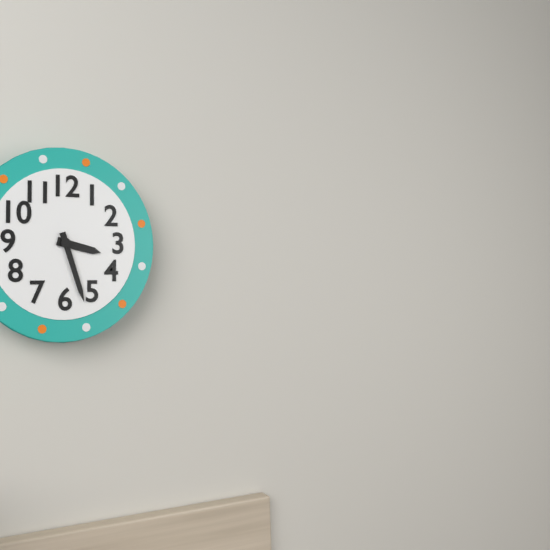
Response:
{"hour": 3, "minute": 27}
